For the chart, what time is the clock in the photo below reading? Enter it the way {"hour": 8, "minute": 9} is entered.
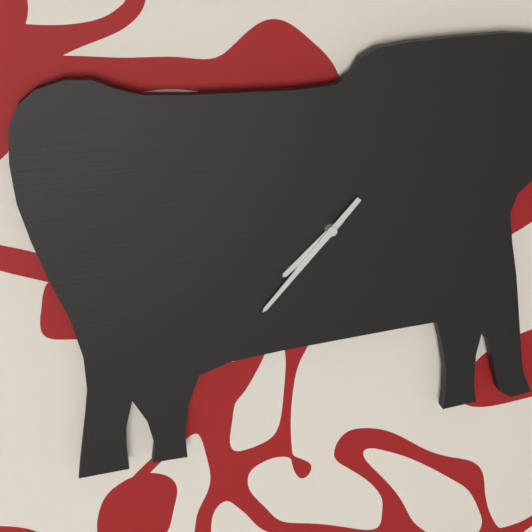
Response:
{"hour": 7, "minute": 37}
